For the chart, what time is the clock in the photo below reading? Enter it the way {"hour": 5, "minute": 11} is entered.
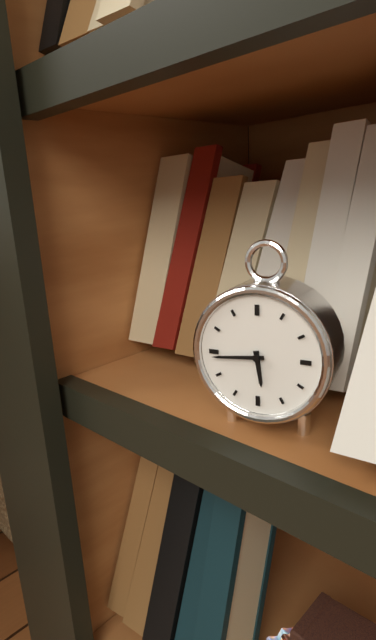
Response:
{"hour": 5, "minute": 44}
